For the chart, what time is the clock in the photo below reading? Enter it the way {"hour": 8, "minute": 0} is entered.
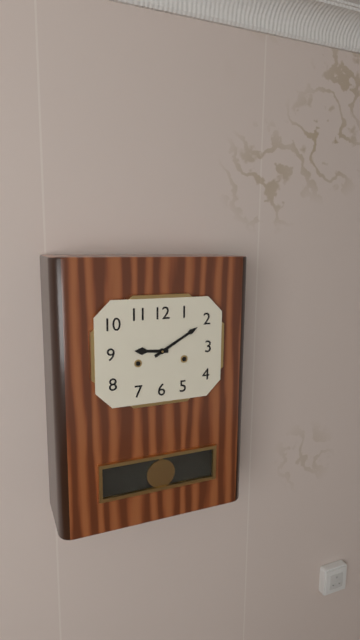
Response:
{"hour": 9, "minute": 10}
